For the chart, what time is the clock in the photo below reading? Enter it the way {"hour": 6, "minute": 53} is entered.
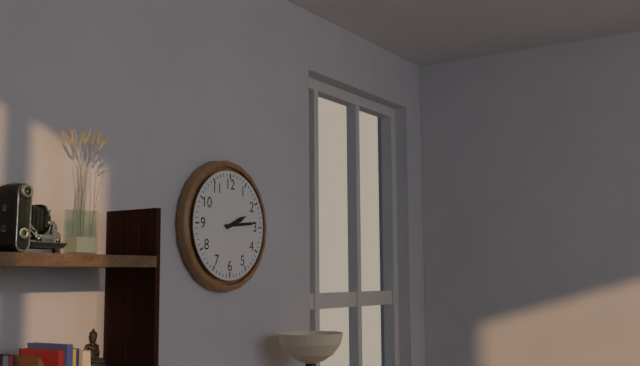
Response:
{"hour": 2, "minute": 14}
